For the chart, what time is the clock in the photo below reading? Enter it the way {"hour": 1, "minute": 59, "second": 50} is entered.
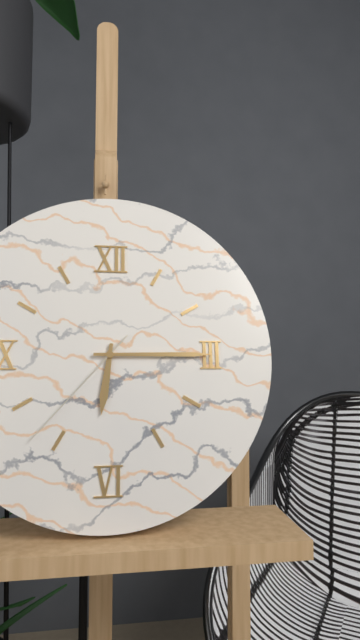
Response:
{"hour": 6, "minute": 15, "second": 37}
